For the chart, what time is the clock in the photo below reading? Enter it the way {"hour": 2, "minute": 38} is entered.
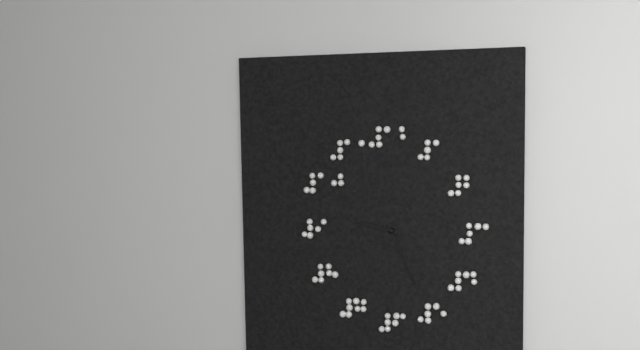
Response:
{"hour": 9, "minute": 26}
